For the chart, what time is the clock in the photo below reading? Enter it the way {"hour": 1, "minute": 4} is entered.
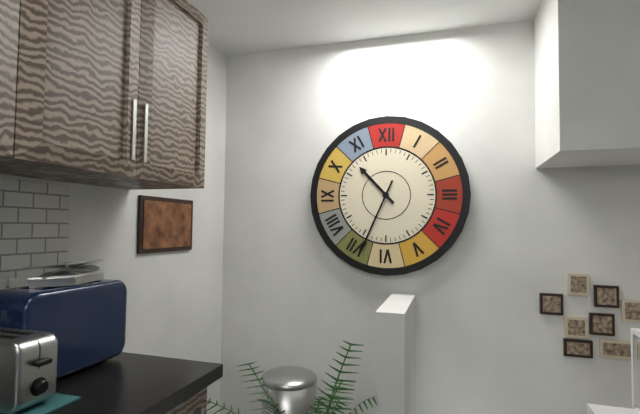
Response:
{"hour": 10, "minute": 34}
